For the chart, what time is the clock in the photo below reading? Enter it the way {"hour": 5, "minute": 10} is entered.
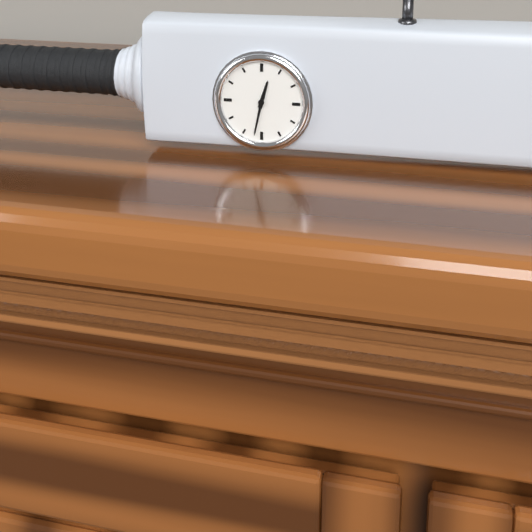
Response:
{"hour": 12, "minute": 32}
